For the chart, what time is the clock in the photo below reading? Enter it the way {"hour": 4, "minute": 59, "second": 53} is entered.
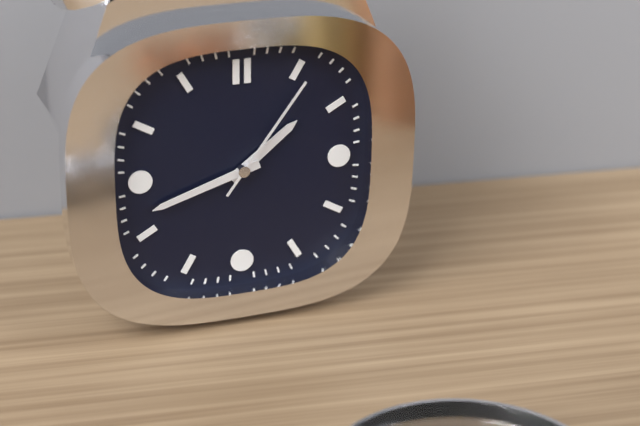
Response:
{"hour": 1, "minute": 42, "second": 6}
